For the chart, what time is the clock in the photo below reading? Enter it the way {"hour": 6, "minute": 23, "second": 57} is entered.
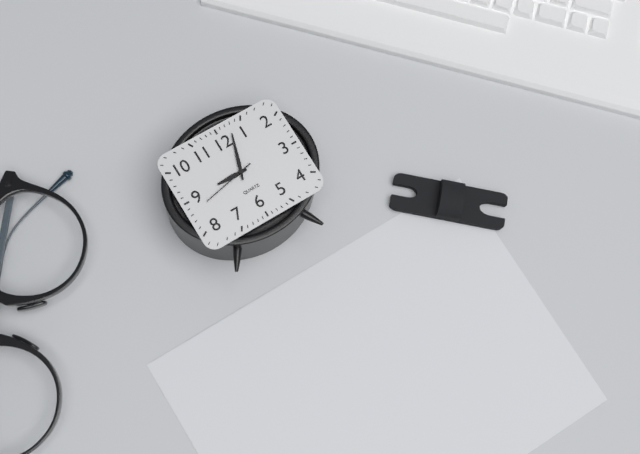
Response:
{"hour": 9, "minute": 3, "second": 43}
